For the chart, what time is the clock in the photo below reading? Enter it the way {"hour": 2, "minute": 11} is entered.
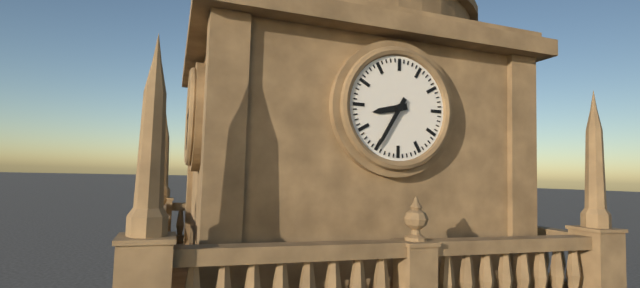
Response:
{"hour": 8, "minute": 35}
